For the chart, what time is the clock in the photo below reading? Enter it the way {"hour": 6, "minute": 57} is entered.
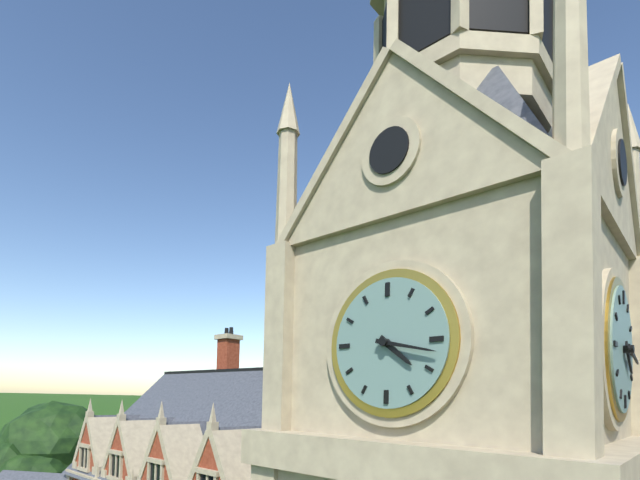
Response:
{"hour": 4, "minute": 17}
